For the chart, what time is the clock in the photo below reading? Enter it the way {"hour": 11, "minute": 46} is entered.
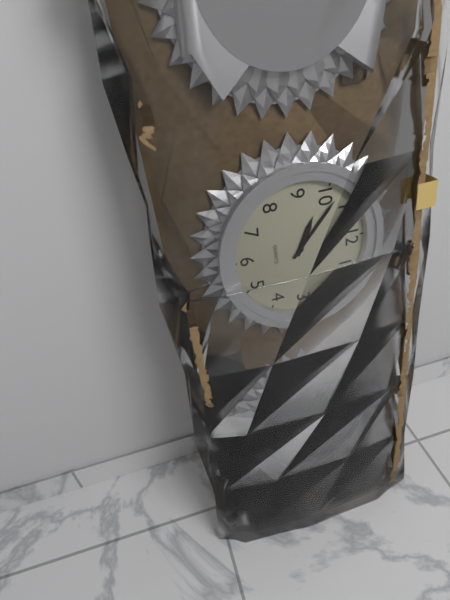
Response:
{"hour": 9, "minute": 52}
